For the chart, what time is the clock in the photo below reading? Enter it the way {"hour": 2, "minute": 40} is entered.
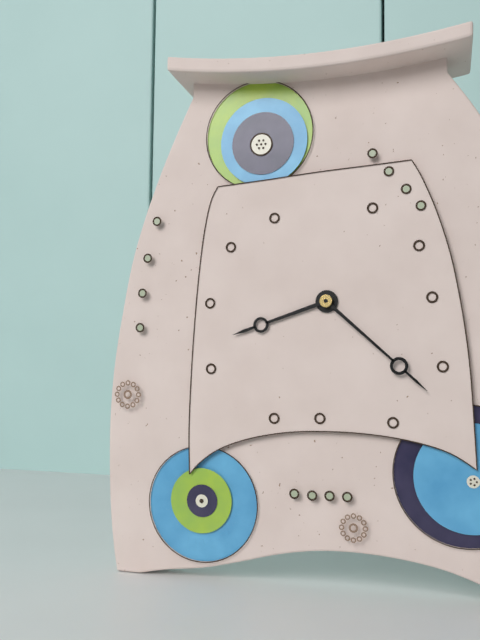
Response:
{"hour": 8, "minute": 22}
